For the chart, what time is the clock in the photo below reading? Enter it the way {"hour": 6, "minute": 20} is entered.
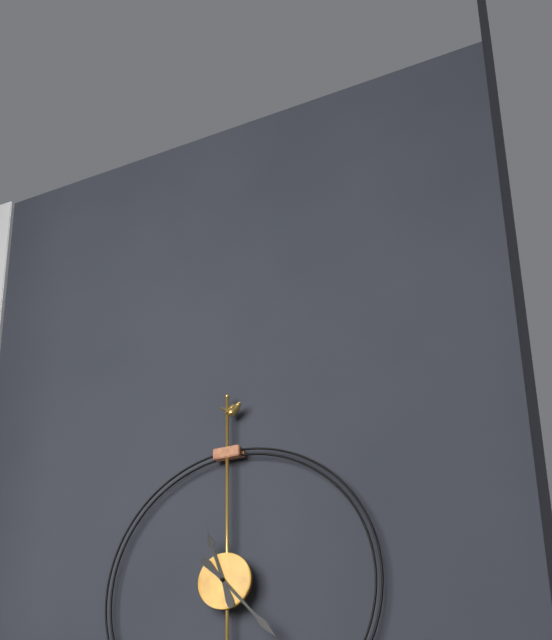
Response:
{"hour": 11, "minute": 23}
